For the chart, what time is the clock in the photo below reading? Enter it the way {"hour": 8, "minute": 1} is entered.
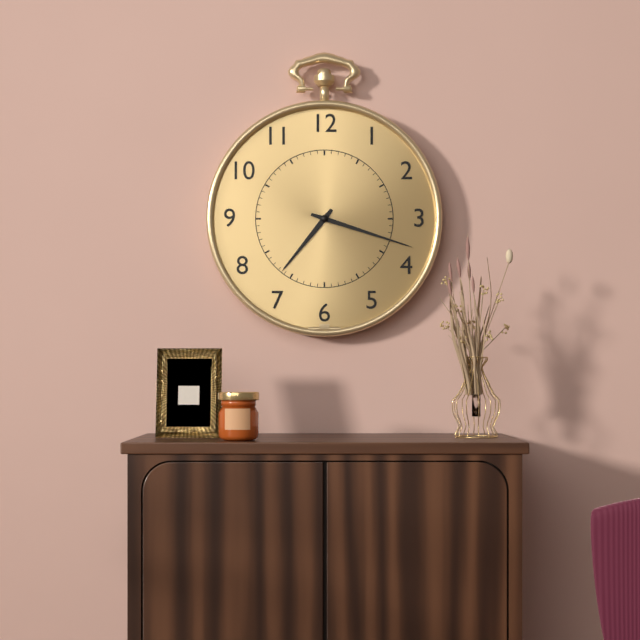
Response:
{"hour": 7, "minute": 18}
